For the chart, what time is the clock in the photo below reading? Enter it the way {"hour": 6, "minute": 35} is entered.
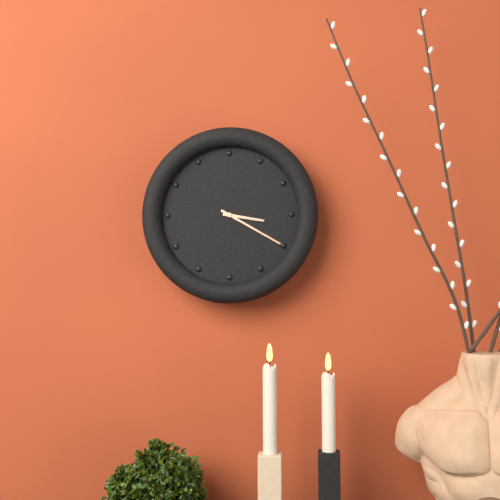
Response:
{"hour": 3, "minute": 20}
